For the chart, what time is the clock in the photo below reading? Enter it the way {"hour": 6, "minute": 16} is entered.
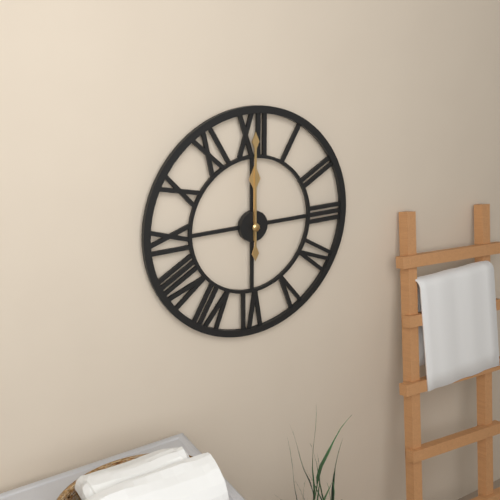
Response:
{"hour": 12, "minute": 0}
